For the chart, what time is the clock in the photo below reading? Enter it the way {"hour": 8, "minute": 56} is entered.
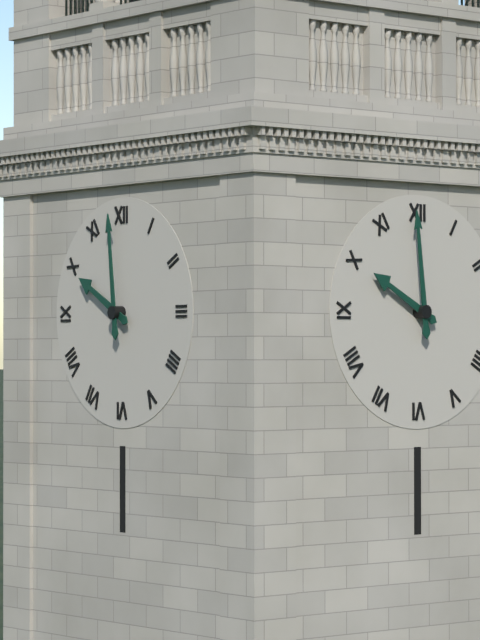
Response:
{"hour": 9, "minute": 59}
